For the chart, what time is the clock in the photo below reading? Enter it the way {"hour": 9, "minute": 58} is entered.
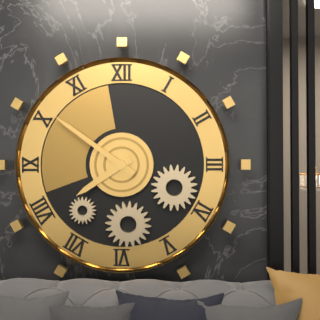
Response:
{"hour": 7, "minute": 51}
